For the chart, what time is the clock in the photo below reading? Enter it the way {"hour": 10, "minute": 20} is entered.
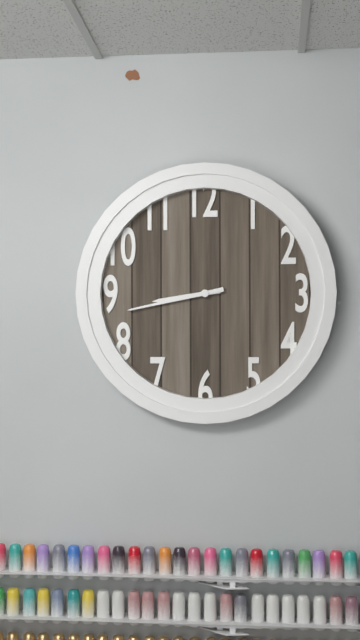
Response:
{"hour": 8, "minute": 43}
